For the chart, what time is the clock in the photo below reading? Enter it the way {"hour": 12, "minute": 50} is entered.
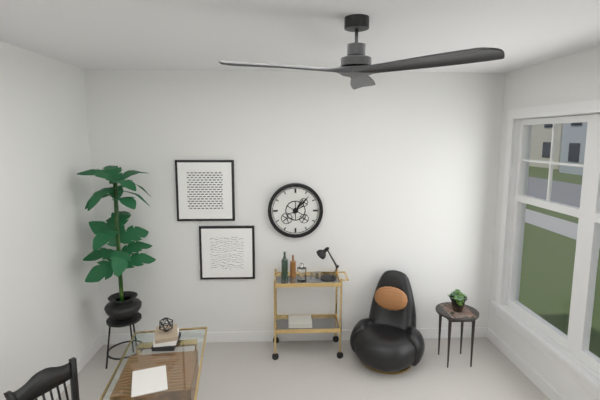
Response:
{"hour": 1, "minute": 7}
